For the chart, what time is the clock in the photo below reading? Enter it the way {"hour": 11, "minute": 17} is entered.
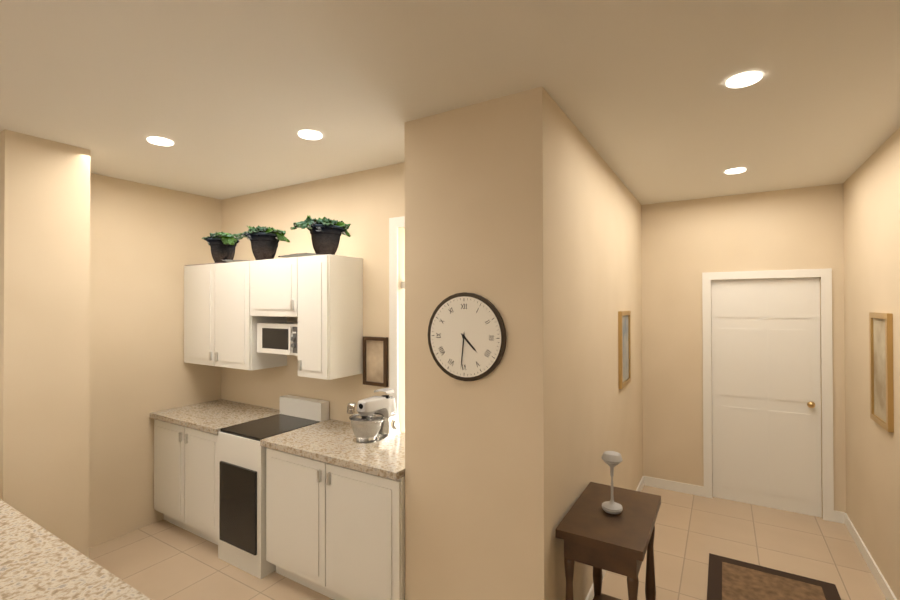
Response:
{"hour": 4, "minute": 31}
